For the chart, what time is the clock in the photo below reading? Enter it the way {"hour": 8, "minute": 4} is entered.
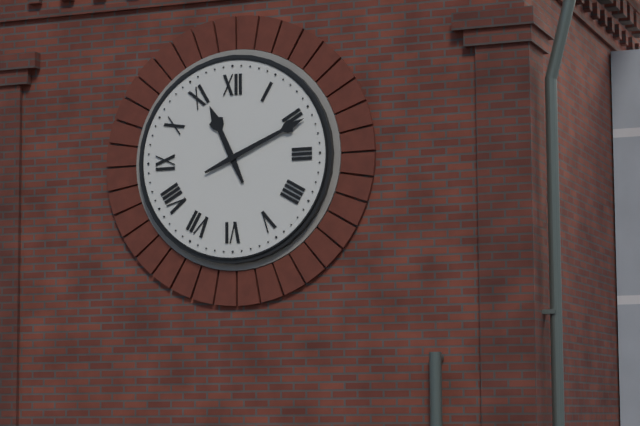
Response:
{"hour": 11, "minute": 11}
